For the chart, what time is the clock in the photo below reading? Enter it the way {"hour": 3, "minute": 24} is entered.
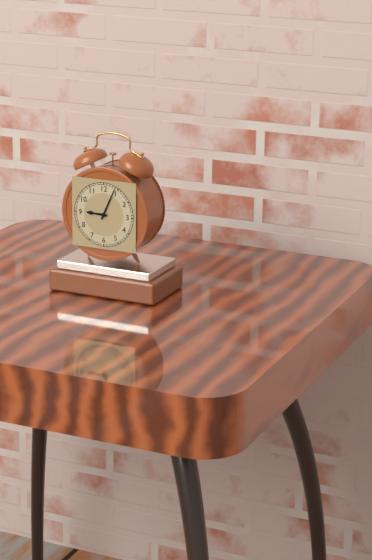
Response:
{"hour": 9, "minute": 4}
